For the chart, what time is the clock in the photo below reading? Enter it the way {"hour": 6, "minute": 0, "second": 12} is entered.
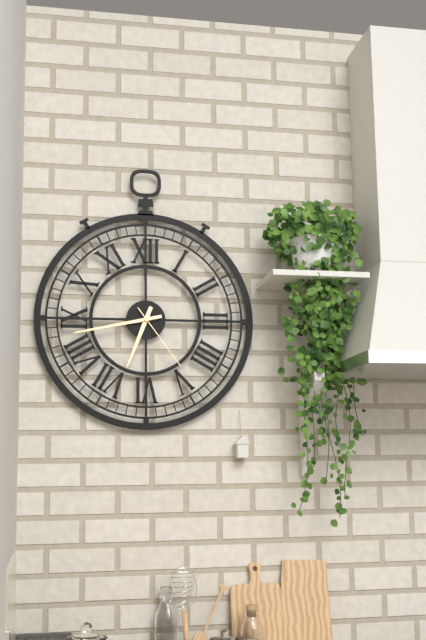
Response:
{"hour": 6, "minute": 43, "second": 24}
